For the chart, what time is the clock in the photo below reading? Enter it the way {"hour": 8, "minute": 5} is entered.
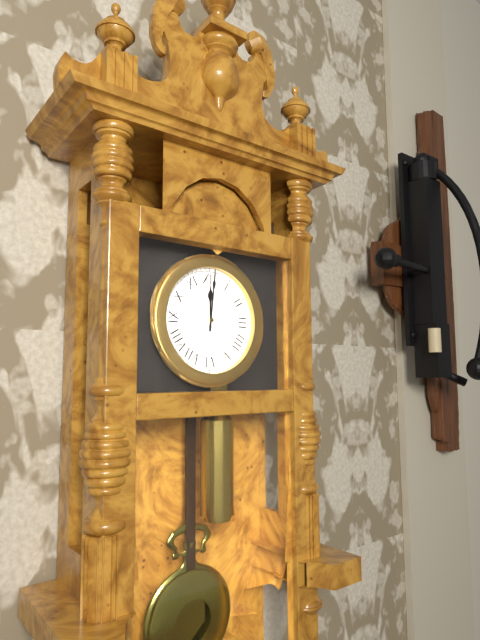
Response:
{"hour": 12, "minute": 1}
